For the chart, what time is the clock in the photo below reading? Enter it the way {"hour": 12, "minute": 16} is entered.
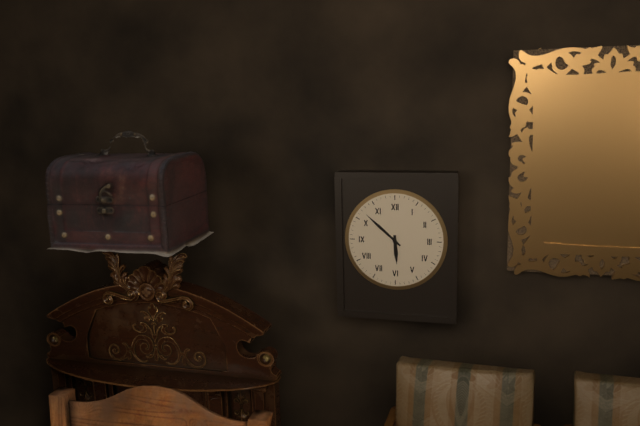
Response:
{"hour": 5, "minute": 52}
